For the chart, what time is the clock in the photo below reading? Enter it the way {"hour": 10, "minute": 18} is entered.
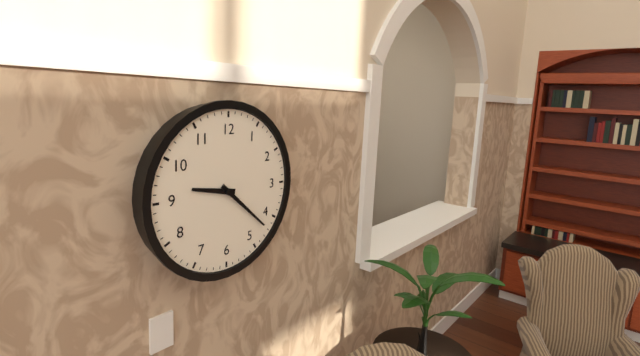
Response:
{"hour": 9, "minute": 22}
